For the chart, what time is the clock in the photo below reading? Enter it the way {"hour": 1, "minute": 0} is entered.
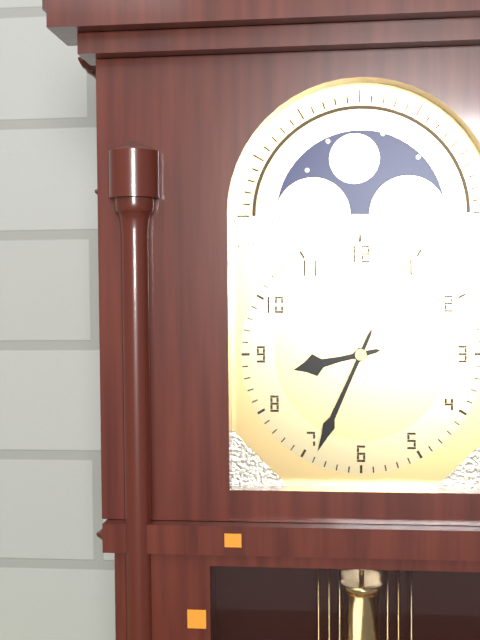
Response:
{"hour": 8, "minute": 34}
